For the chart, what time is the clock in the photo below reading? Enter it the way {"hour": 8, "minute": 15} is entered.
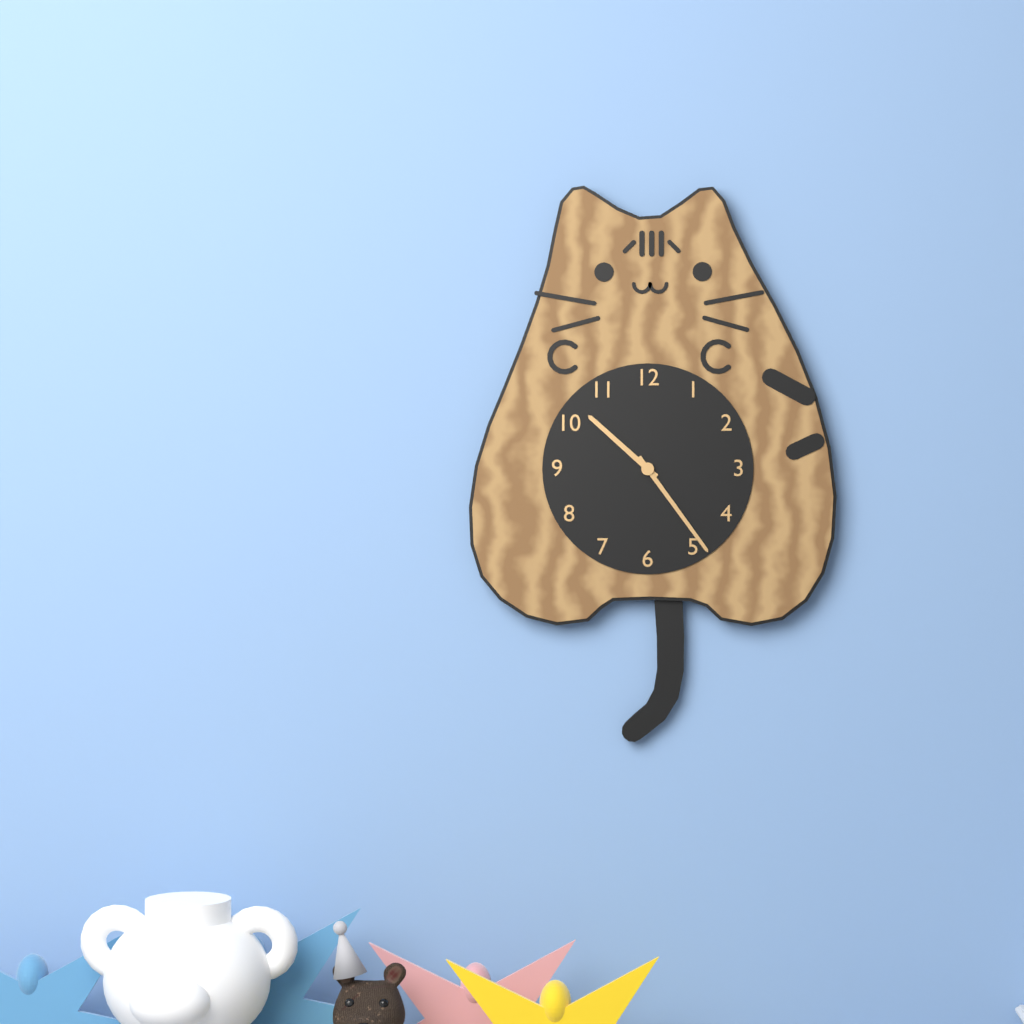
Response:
{"hour": 10, "minute": 24}
